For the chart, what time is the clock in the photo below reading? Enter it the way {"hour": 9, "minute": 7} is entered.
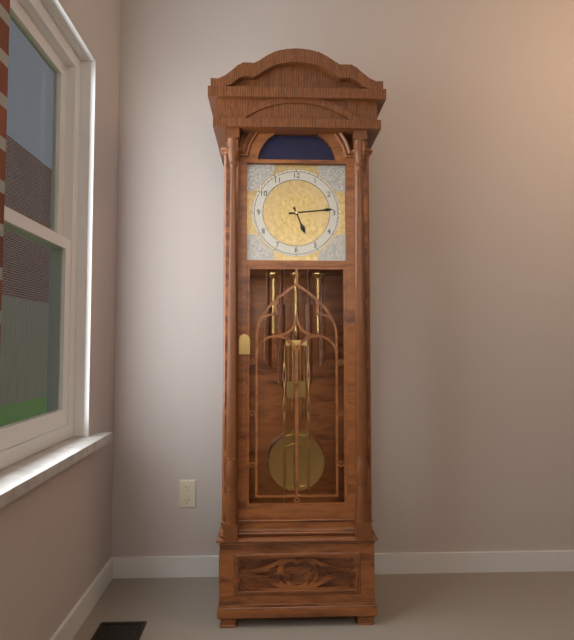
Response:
{"hour": 5, "minute": 14}
